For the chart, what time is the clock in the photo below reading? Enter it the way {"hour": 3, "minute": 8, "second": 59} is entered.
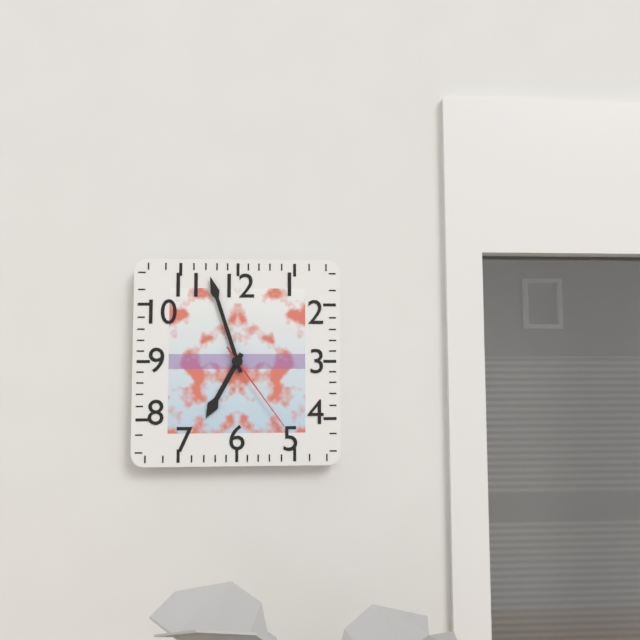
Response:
{"hour": 6, "minute": 57, "second": 24}
